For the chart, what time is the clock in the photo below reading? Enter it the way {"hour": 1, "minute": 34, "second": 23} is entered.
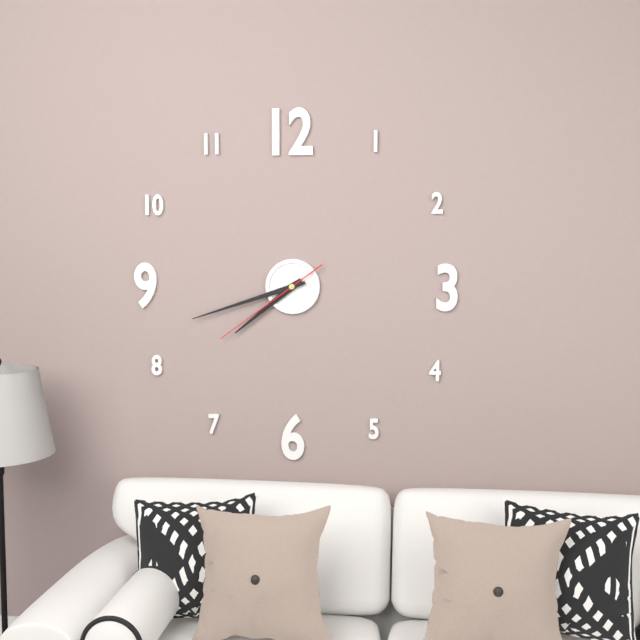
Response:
{"hour": 7, "minute": 42, "second": 39}
